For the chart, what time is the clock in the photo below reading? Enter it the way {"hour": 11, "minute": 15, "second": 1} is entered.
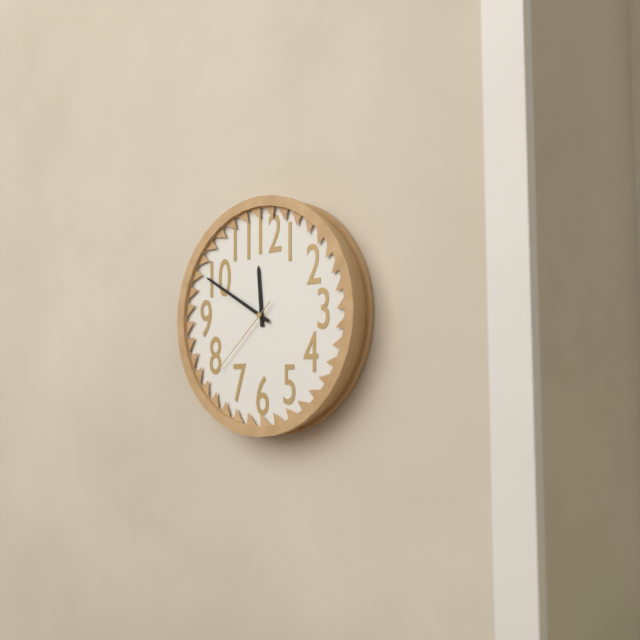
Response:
{"hour": 11, "minute": 50, "second": 38}
